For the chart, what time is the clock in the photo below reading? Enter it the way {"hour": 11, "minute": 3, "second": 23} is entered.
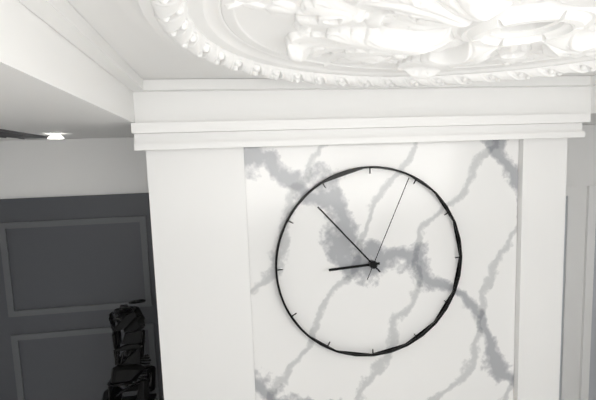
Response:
{"hour": 8, "minute": 53, "second": 4}
